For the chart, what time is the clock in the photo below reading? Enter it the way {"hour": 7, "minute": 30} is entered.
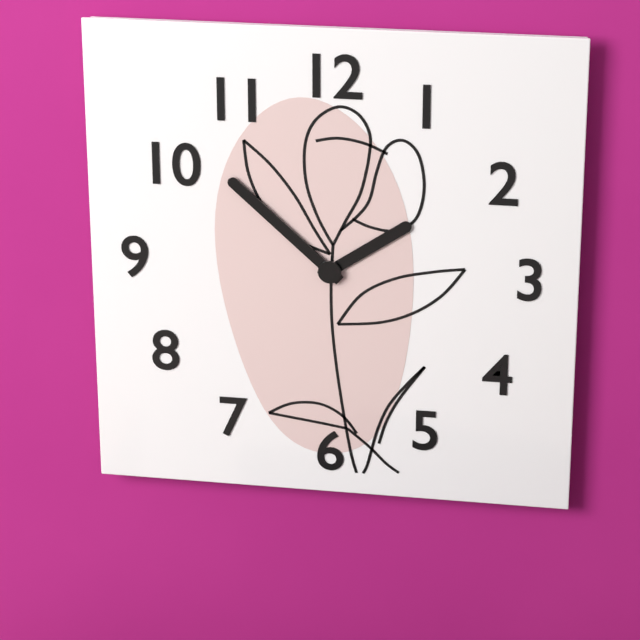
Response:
{"hour": 1, "minute": 52}
